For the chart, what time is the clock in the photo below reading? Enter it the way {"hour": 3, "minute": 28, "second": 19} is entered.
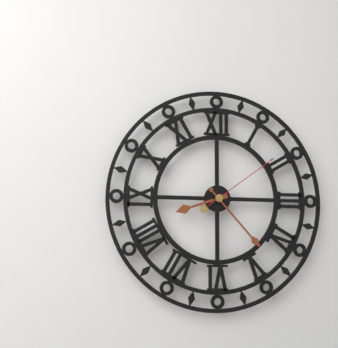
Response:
{"hour": 8, "minute": 23, "second": 9}
